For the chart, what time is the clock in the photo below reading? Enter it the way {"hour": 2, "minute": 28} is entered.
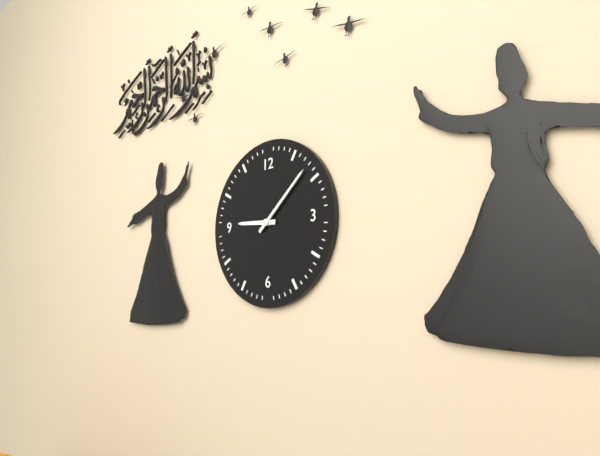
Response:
{"hour": 9, "minute": 8}
